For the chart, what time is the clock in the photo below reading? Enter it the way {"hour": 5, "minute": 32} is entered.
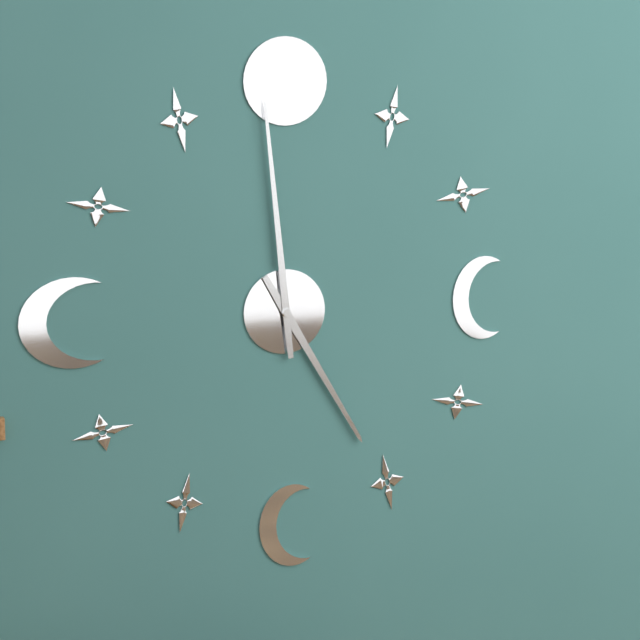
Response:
{"hour": 4, "minute": 59}
